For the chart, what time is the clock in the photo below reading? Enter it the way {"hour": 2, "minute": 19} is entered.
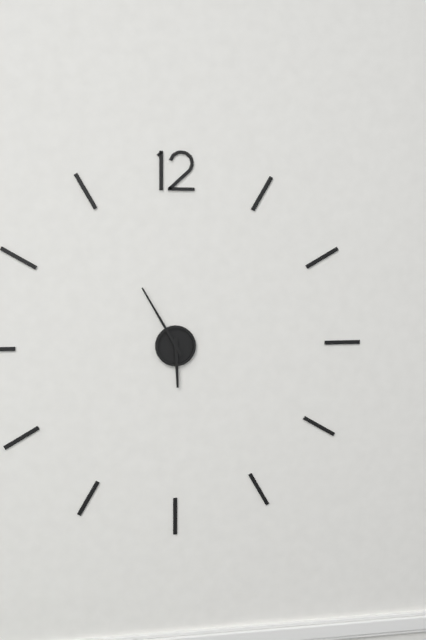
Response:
{"hour": 5, "minute": 55}
